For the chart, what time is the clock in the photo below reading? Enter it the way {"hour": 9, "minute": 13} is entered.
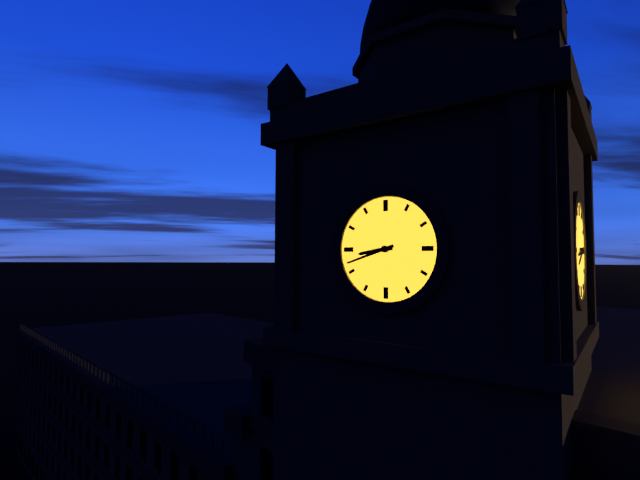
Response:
{"hour": 8, "minute": 42}
